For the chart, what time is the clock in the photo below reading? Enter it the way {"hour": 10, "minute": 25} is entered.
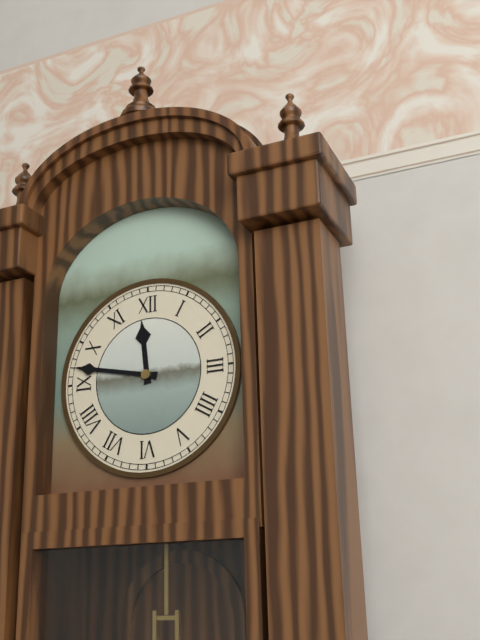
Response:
{"hour": 11, "minute": 47}
